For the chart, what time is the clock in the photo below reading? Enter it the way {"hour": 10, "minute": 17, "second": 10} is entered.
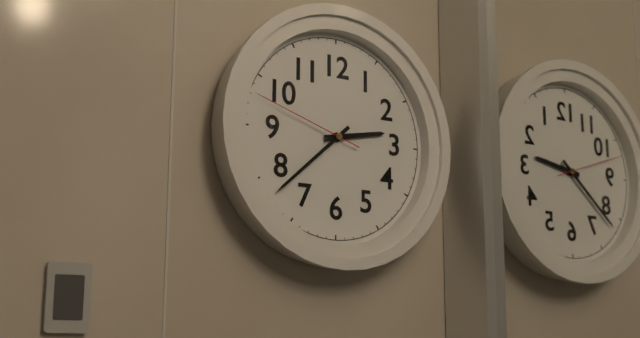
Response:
{"hour": 2, "minute": 38, "second": 48}
